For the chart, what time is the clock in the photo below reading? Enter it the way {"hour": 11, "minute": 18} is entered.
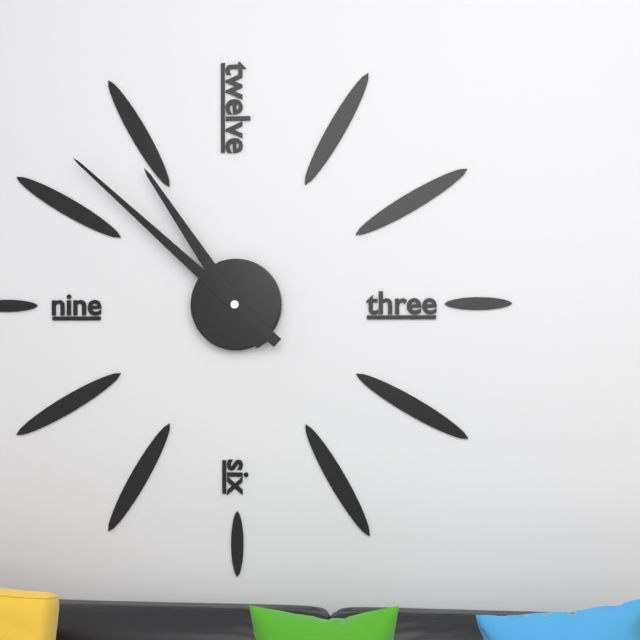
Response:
{"hour": 10, "minute": 52}
